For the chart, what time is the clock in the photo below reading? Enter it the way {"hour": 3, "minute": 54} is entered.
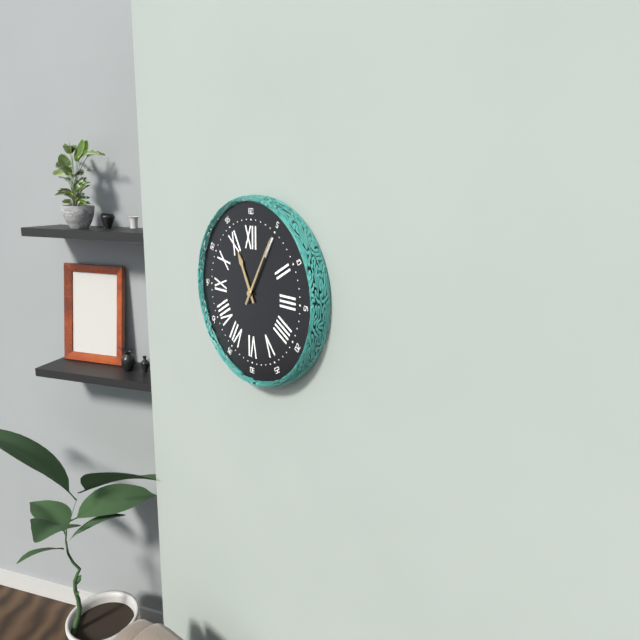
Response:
{"hour": 11, "minute": 5}
